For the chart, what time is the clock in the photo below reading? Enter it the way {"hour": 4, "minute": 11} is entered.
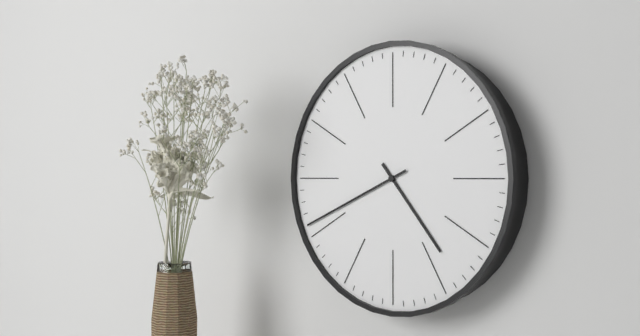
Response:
{"hour": 4, "minute": 41}
